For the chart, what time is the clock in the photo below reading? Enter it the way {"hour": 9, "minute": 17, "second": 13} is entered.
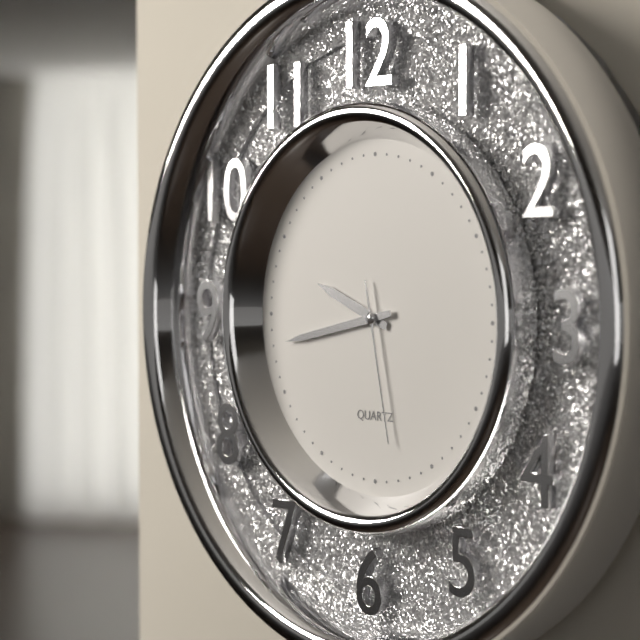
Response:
{"hour": 9, "minute": 43, "second": 28}
